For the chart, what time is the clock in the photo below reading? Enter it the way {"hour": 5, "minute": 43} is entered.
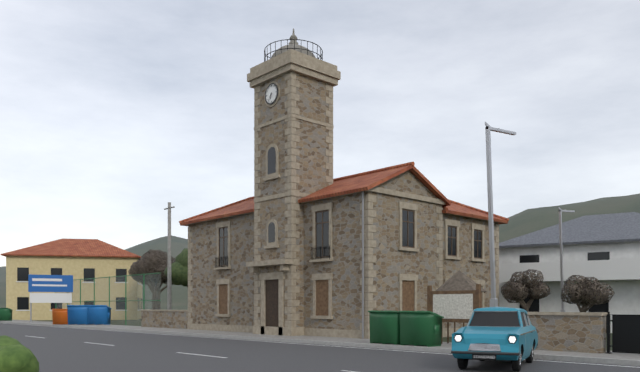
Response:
{"hour": 6, "minute": 36}
